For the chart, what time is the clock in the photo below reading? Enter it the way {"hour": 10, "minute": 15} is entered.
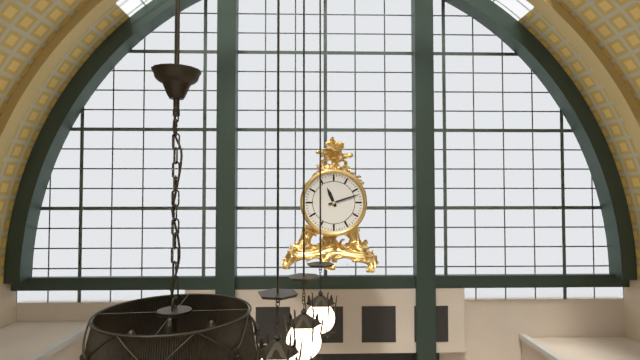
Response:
{"hour": 11, "minute": 12}
